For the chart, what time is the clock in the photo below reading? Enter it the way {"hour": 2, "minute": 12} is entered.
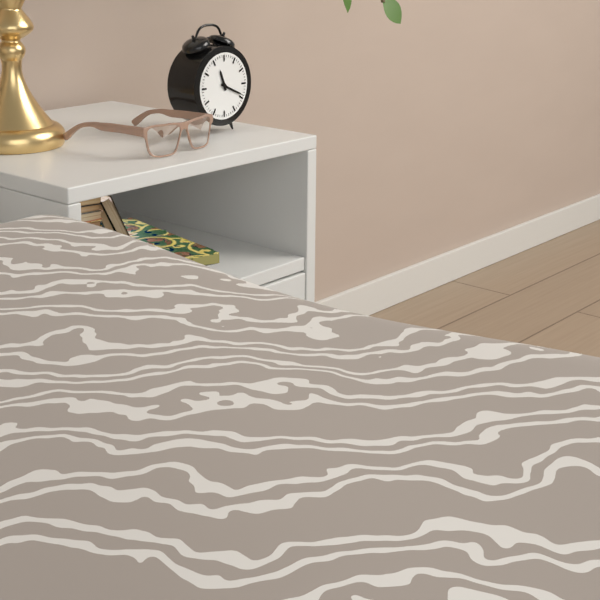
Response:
{"hour": 11, "minute": 19}
